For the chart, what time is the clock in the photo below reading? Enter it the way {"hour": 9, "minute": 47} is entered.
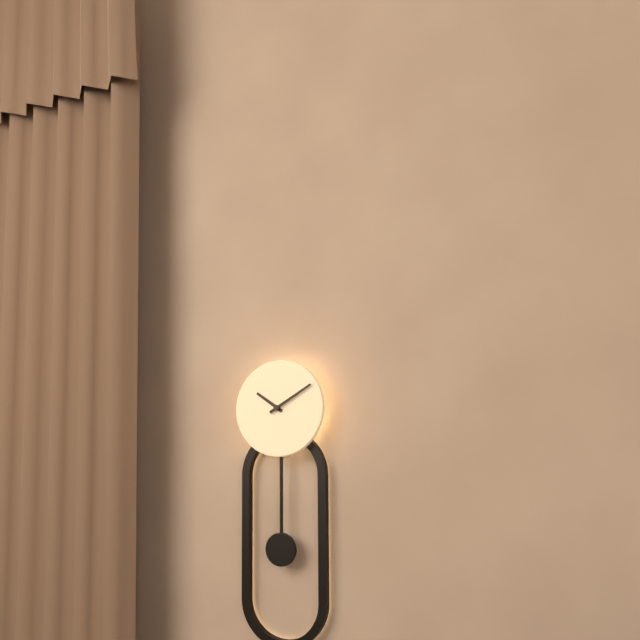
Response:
{"hour": 10, "minute": 10}
